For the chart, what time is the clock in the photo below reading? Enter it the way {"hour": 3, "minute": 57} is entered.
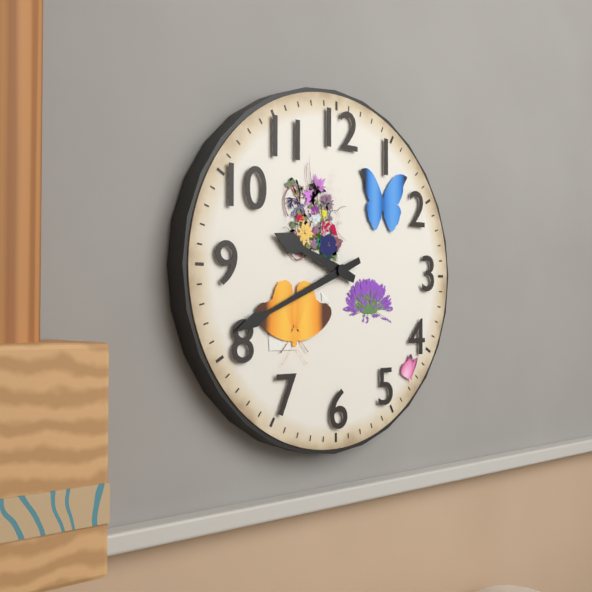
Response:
{"hour": 9, "minute": 41}
